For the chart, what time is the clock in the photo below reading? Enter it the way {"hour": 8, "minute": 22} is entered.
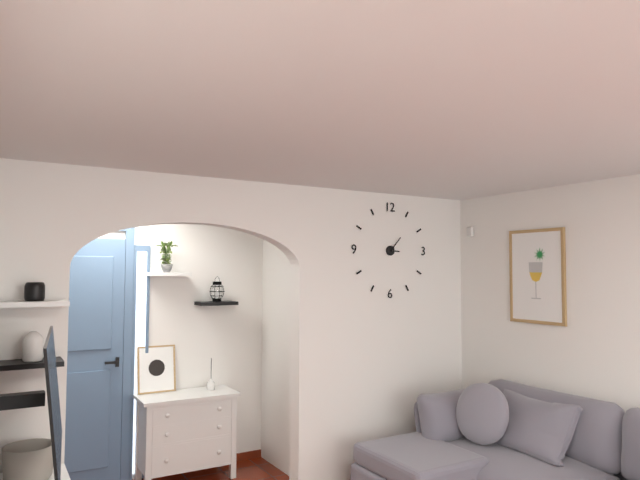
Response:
{"hour": 3, "minute": 7}
